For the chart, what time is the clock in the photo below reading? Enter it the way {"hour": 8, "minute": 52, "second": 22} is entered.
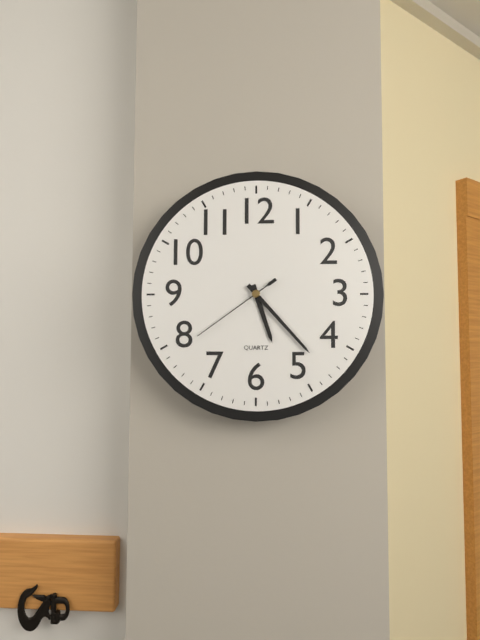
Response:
{"hour": 5, "minute": 23, "second": 39}
